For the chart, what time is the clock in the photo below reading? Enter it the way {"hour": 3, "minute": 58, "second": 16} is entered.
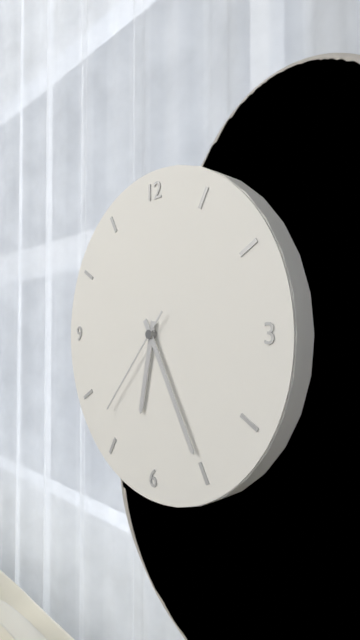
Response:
{"hour": 6, "minute": 25, "second": 37}
